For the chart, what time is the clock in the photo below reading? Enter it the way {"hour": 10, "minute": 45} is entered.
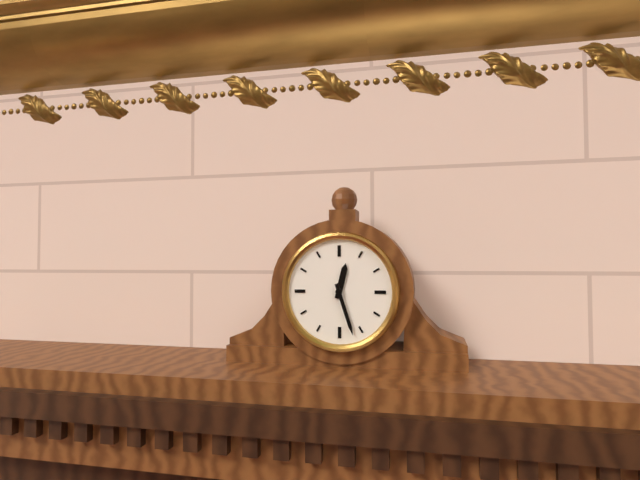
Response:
{"hour": 12, "minute": 27}
